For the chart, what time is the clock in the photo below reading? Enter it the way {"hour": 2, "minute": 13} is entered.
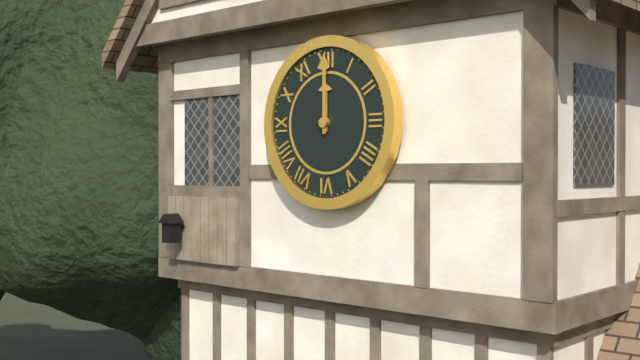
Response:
{"hour": 12, "minute": 0}
